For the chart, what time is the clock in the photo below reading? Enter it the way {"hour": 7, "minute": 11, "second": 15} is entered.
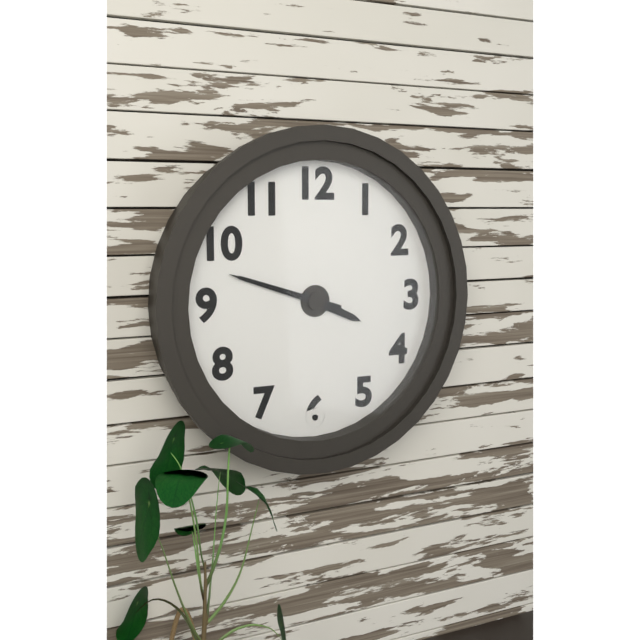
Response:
{"hour": 3, "minute": 48, "second": 48}
